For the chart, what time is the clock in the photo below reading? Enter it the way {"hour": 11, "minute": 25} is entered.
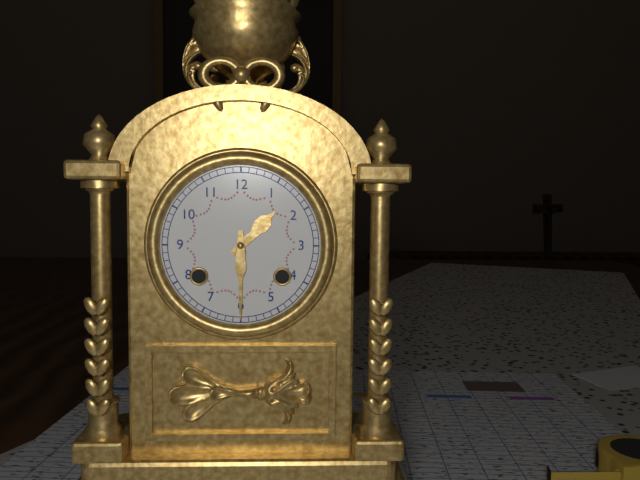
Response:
{"hour": 1, "minute": 30}
